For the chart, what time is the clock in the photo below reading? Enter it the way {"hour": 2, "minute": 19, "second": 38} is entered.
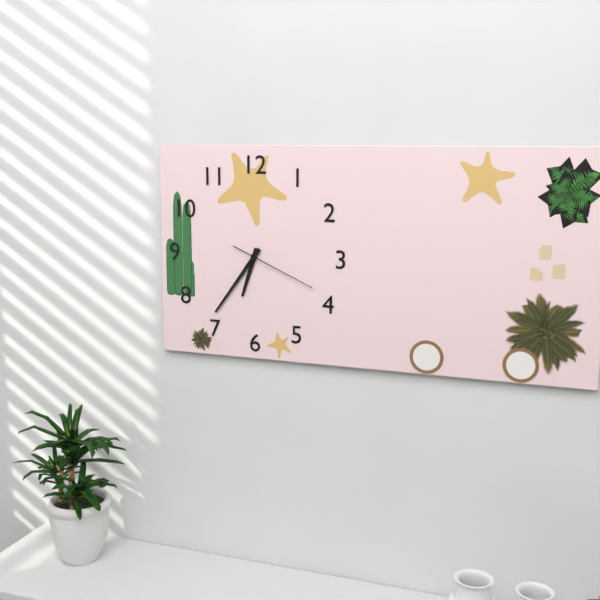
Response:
{"hour": 6, "minute": 36, "second": 19}
